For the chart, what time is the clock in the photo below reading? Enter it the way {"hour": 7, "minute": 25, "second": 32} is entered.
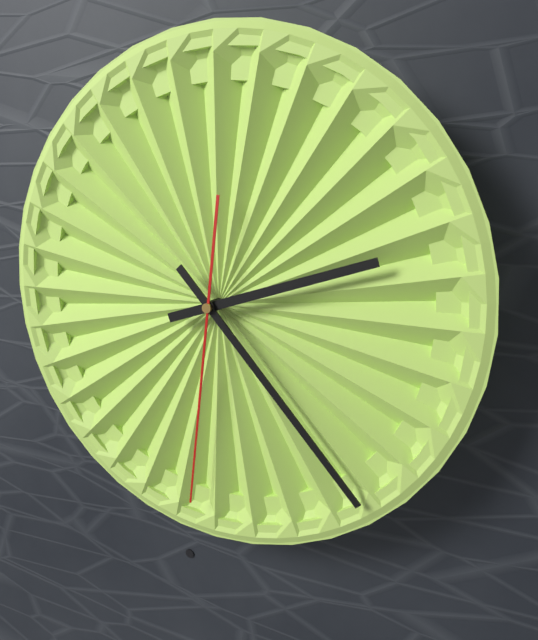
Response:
{"hour": 2, "minute": 23, "second": 31}
